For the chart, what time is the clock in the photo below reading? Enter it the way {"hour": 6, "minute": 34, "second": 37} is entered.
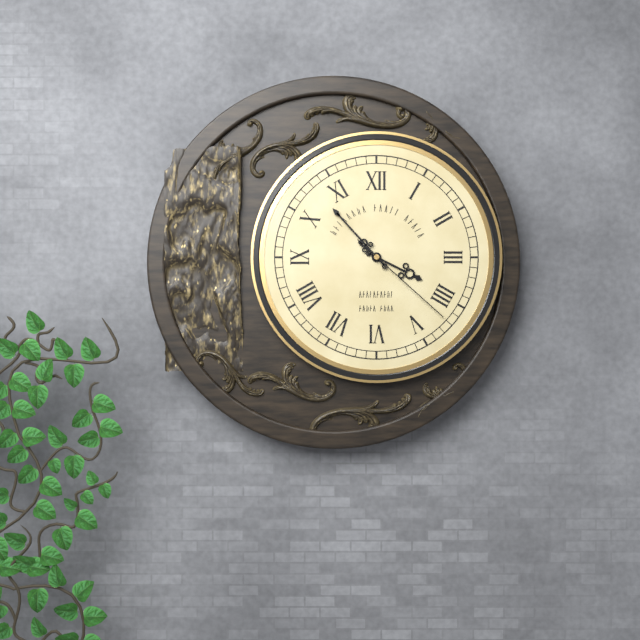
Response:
{"hour": 3, "minute": 53, "second": 22}
